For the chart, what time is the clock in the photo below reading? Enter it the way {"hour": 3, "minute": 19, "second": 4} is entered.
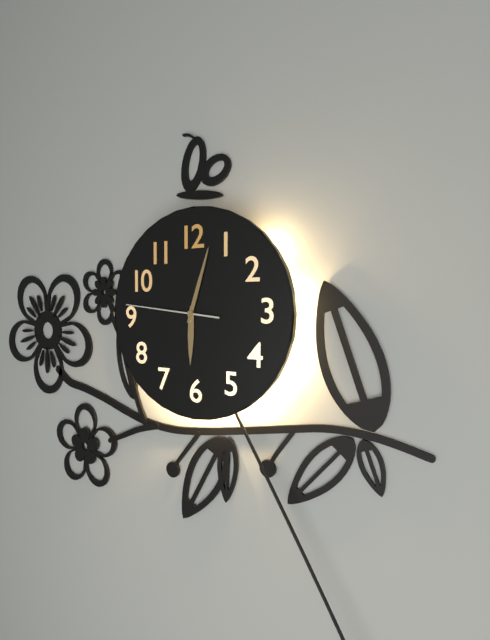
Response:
{"hour": 6, "minute": 3, "second": 46}
